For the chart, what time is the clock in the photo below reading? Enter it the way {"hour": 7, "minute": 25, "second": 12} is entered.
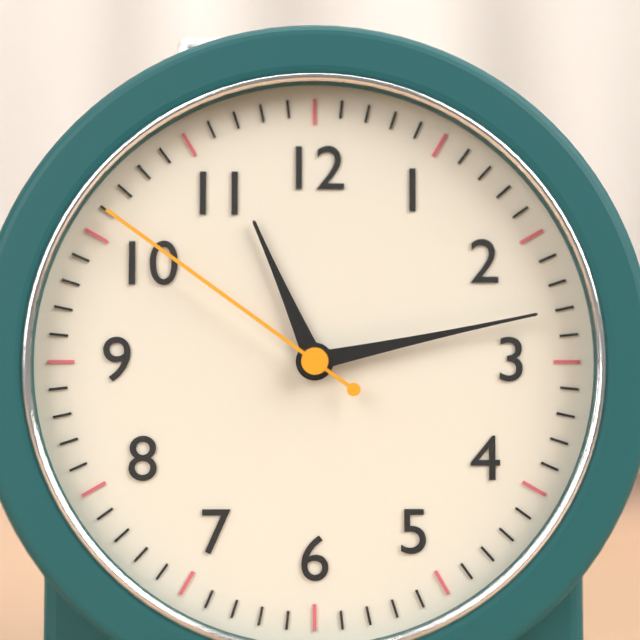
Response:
{"hour": 11, "minute": 13, "second": 51}
